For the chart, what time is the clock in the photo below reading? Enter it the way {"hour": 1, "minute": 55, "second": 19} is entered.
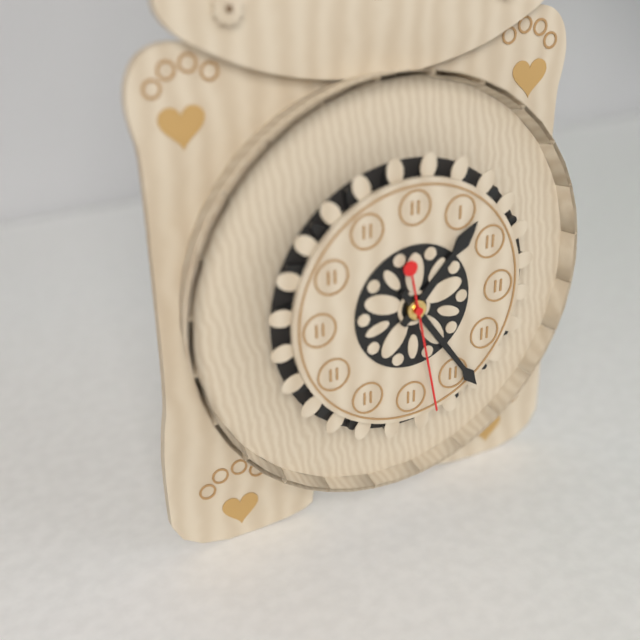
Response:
{"hour": 1, "minute": 24, "second": 28}
